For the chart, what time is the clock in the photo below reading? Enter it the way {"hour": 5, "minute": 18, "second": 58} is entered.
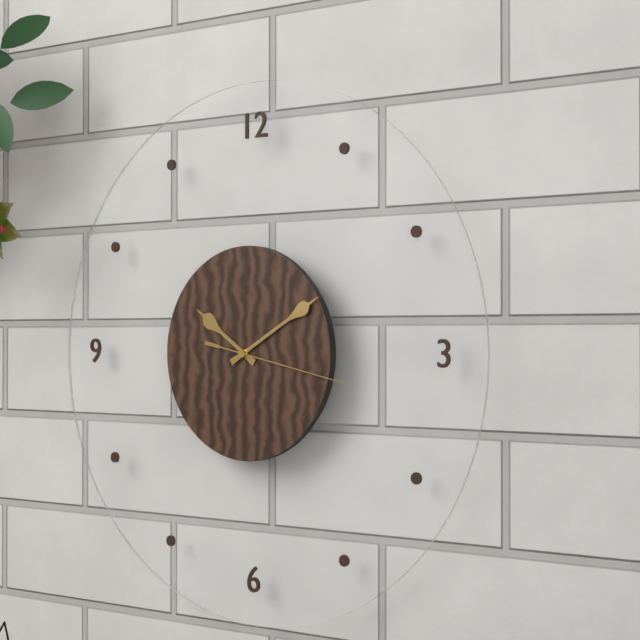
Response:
{"hour": 10, "minute": 10, "second": 17}
